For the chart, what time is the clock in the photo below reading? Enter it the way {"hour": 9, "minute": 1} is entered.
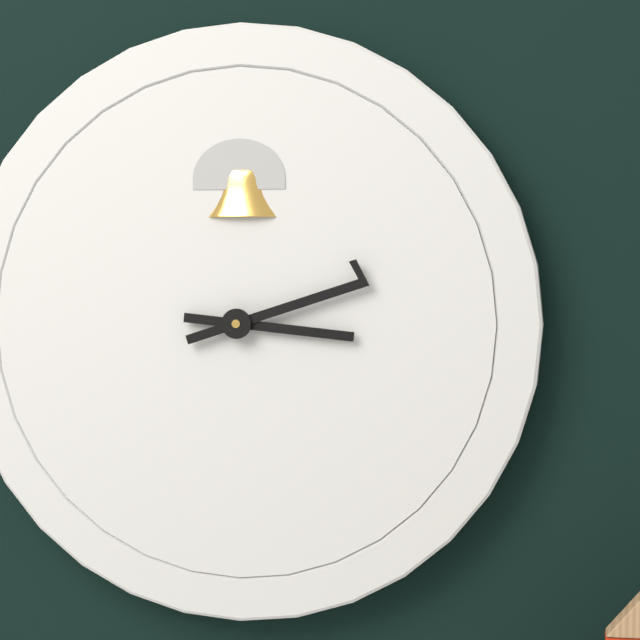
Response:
{"hour": 3, "minute": 12}
